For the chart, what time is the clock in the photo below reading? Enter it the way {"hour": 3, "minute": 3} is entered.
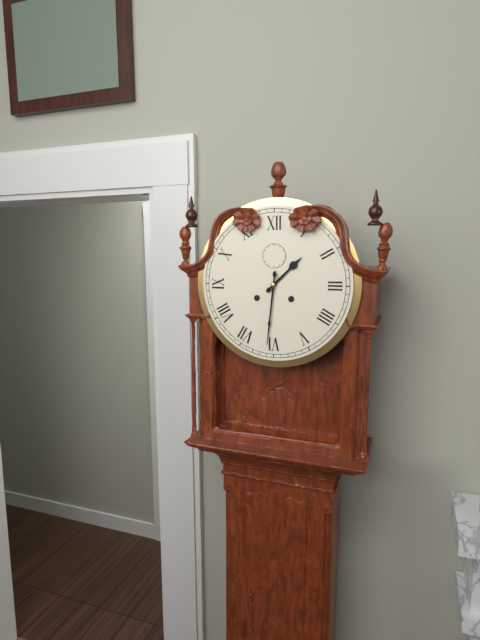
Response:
{"hour": 1, "minute": 31}
